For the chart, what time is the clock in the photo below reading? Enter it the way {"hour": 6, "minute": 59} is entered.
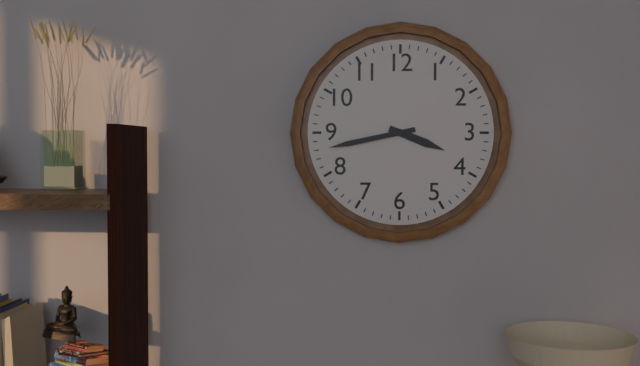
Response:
{"hour": 3, "minute": 43}
